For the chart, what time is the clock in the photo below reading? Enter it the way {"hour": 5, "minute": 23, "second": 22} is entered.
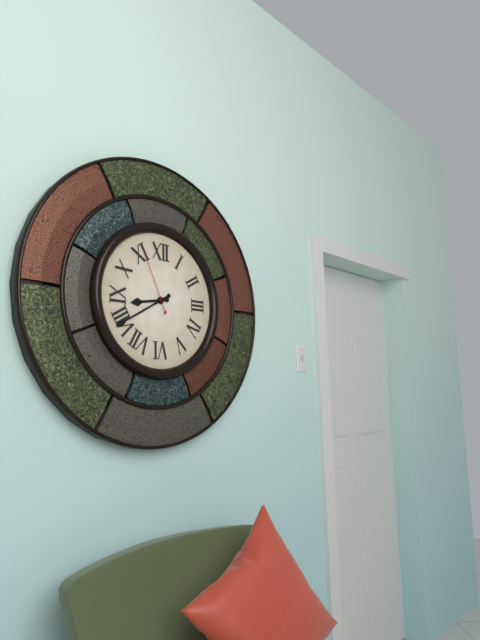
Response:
{"hour": 8, "minute": 40, "second": 56}
